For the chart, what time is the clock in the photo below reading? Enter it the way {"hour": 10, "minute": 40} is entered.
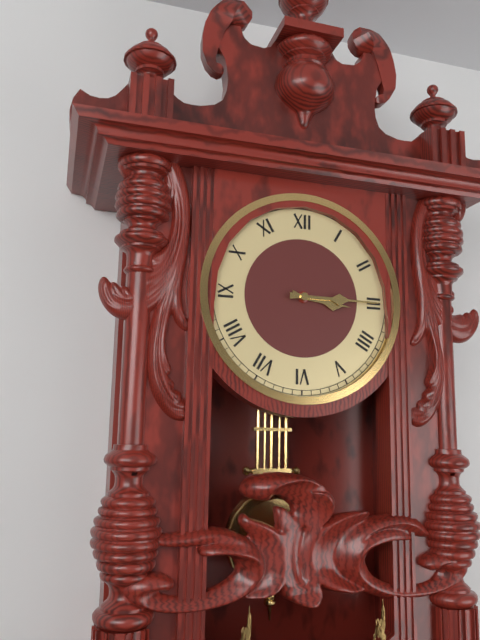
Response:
{"hour": 3, "minute": 15}
